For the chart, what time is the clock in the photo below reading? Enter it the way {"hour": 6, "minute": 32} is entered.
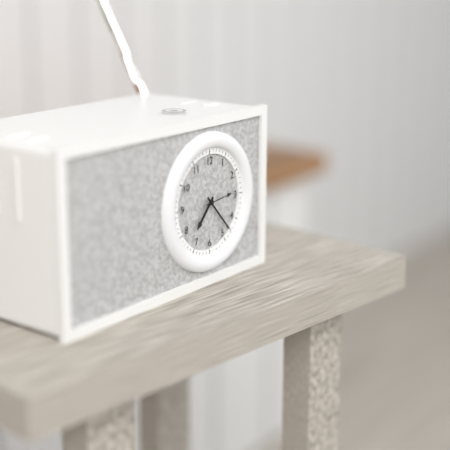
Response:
{"hour": 7, "minute": 23}
